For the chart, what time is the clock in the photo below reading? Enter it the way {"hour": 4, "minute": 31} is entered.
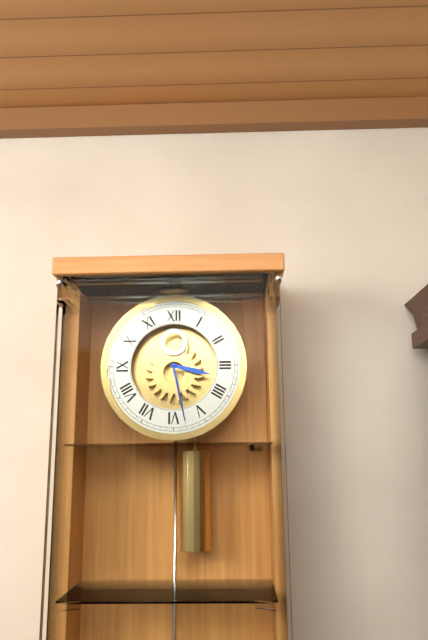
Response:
{"hour": 3, "minute": 28}
